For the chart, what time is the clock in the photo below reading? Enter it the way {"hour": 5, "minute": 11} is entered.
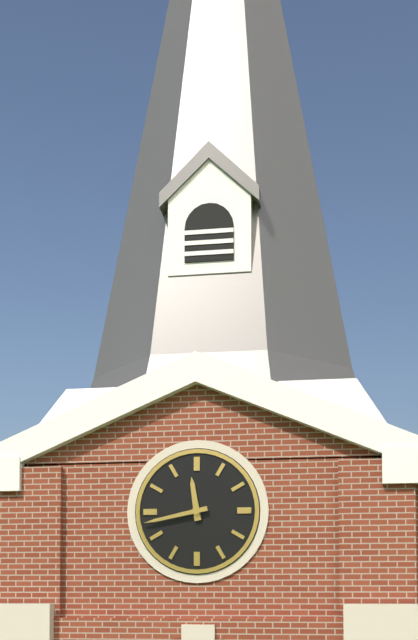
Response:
{"hour": 11, "minute": 43}
